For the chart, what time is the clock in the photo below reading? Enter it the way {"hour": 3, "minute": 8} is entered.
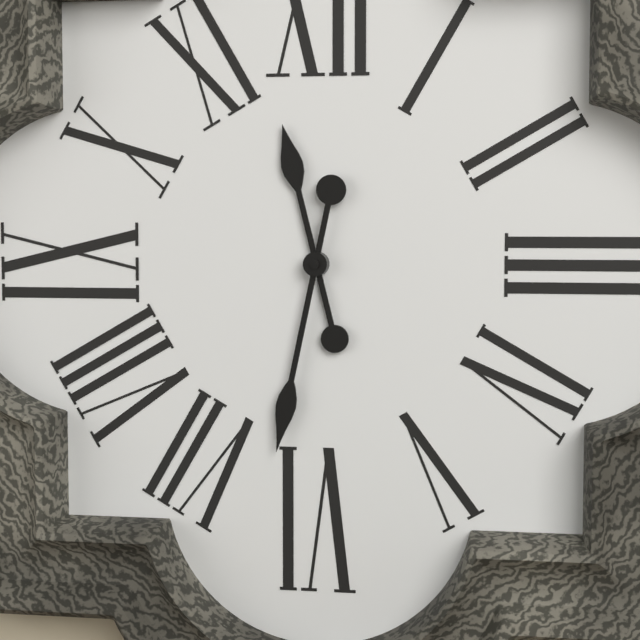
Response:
{"hour": 11, "minute": 32}
